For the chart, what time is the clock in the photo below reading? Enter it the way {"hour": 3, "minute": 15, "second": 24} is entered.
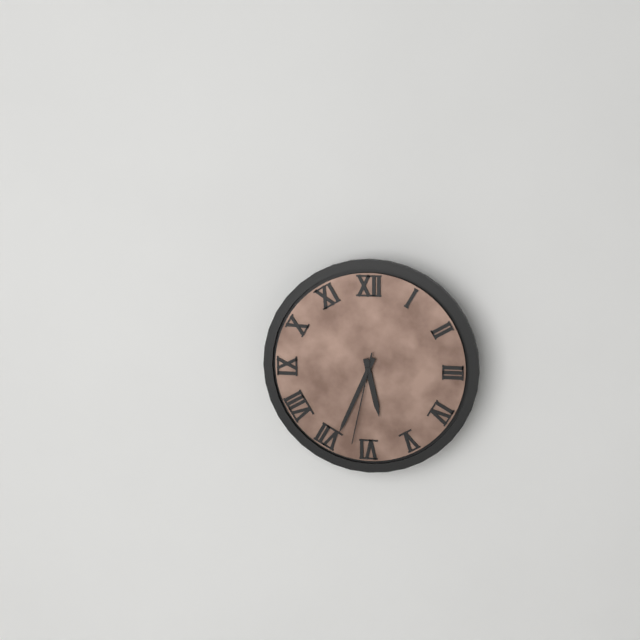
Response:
{"hour": 5, "minute": 34, "second": 32}
